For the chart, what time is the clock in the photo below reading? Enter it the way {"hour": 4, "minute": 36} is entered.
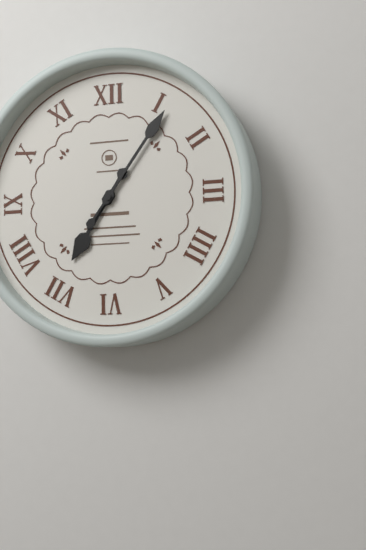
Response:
{"hour": 7, "minute": 6}
